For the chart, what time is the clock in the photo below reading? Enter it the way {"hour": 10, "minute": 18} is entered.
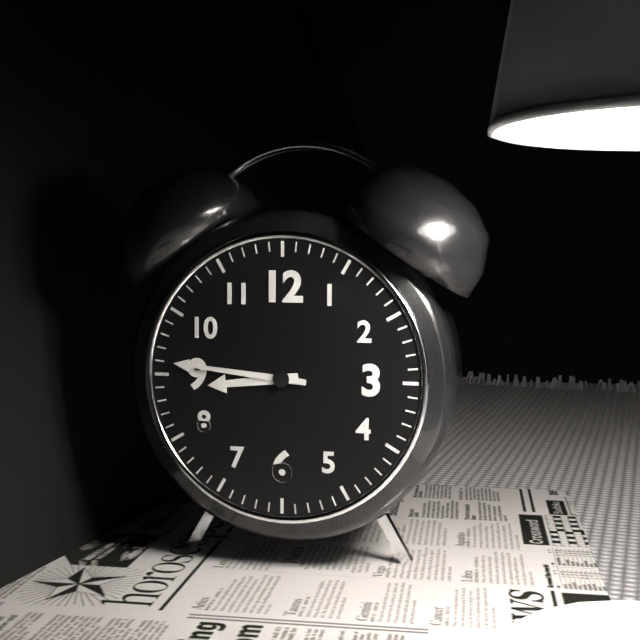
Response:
{"hour": 8, "minute": 46}
